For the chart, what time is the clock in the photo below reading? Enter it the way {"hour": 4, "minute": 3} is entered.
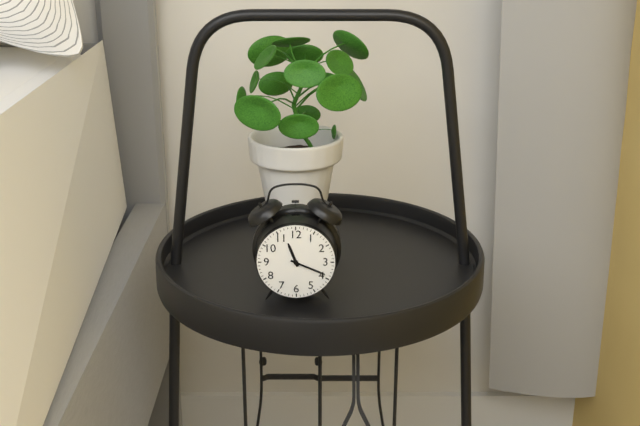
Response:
{"hour": 11, "minute": 19}
